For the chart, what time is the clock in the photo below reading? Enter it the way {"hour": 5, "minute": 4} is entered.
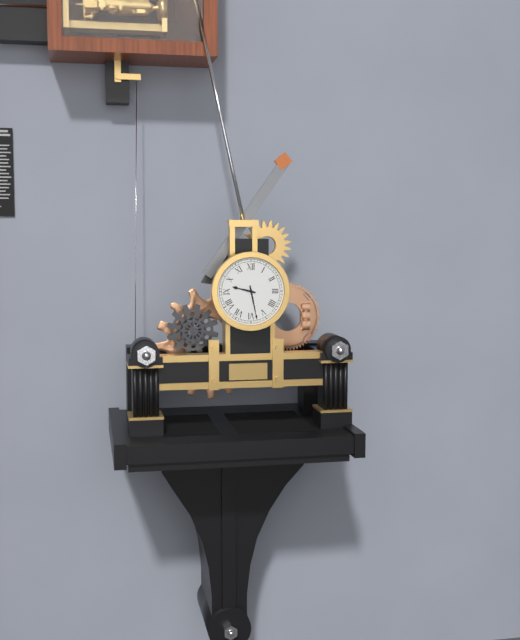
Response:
{"hour": 9, "minute": 28}
